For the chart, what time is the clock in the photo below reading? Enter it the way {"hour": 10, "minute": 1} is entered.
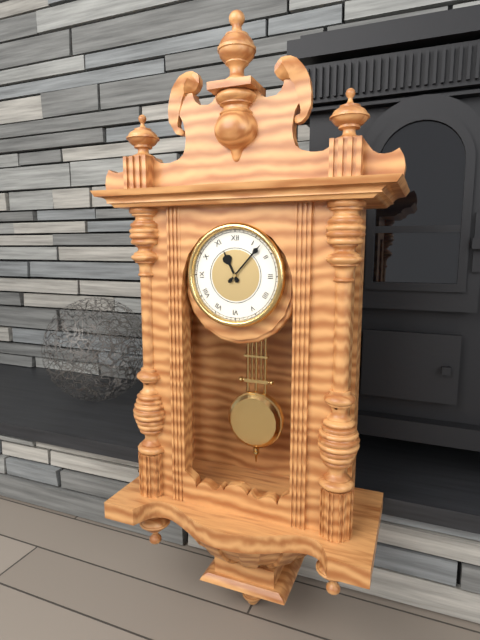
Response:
{"hour": 11, "minute": 7}
